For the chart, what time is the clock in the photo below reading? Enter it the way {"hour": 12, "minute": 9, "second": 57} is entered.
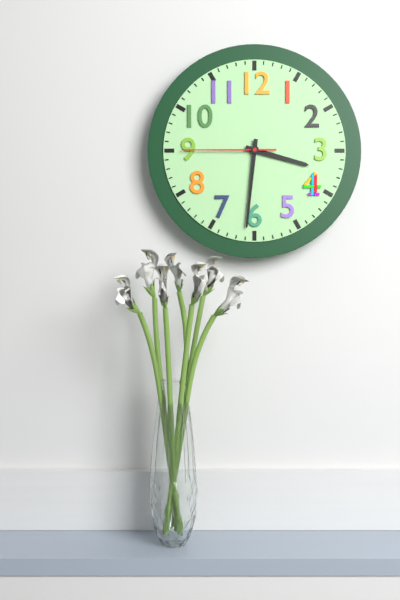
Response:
{"hour": 3, "minute": 31, "second": 45}
